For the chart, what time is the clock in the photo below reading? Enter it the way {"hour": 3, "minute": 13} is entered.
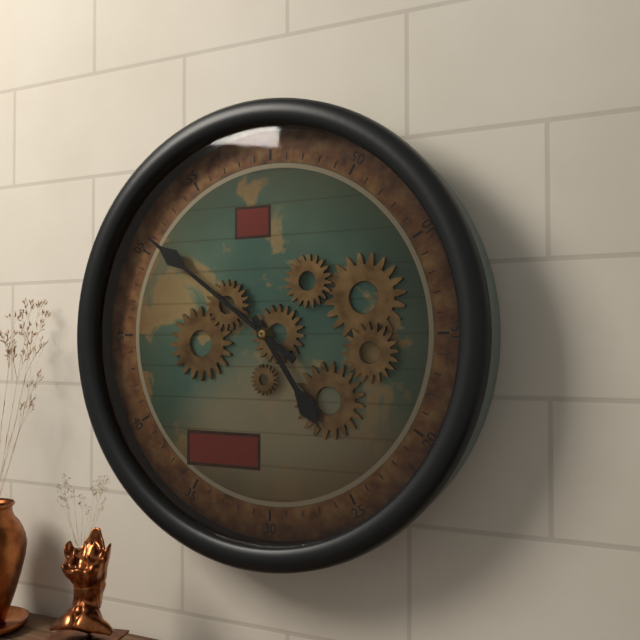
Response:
{"hour": 4, "minute": 51}
